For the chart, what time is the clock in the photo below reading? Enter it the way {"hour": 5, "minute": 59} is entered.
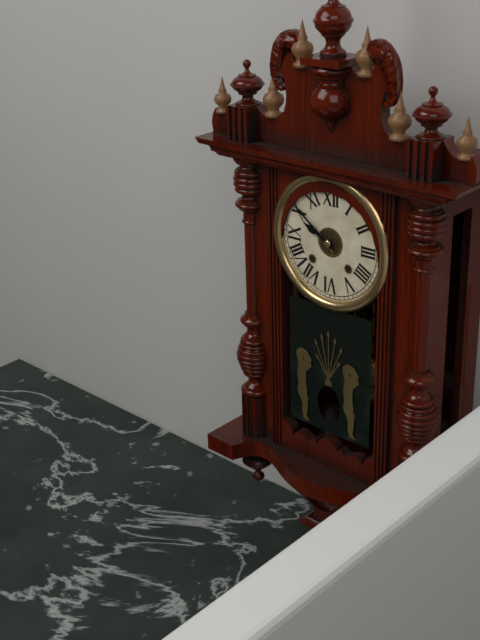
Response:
{"hour": 9, "minute": 51}
